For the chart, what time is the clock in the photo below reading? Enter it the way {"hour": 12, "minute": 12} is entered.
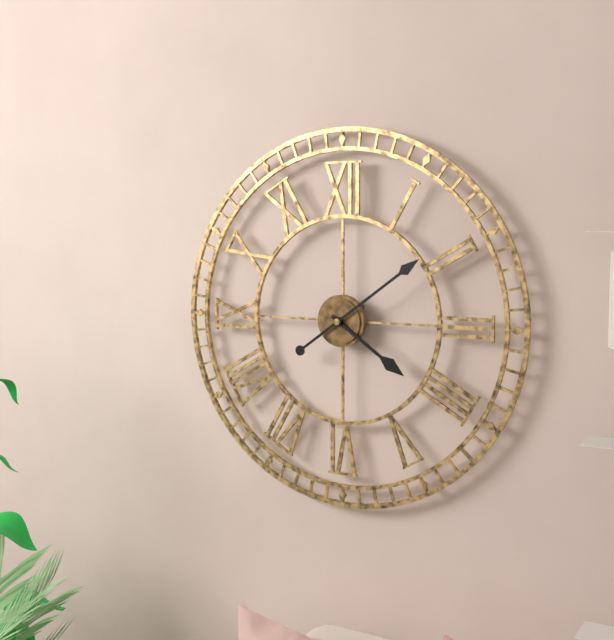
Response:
{"hour": 4, "minute": 9}
